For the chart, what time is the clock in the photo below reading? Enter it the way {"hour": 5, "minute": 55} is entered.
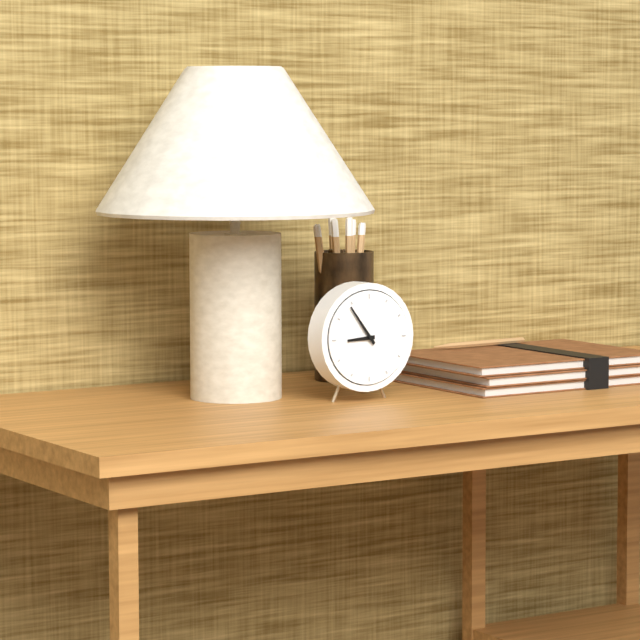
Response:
{"hour": 8, "minute": 54}
